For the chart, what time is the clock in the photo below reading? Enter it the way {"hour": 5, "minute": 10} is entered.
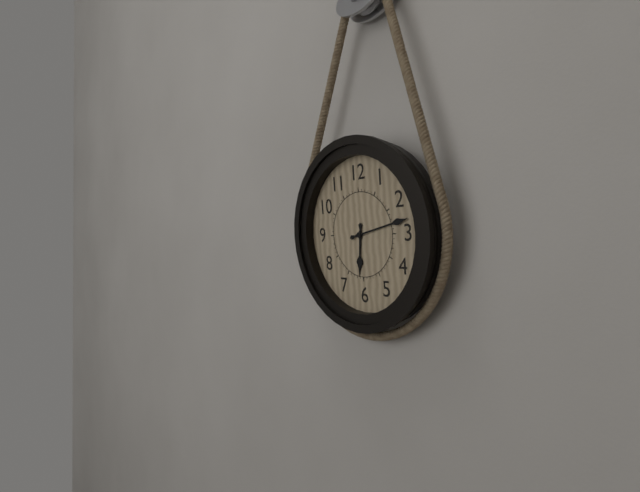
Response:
{"hour": 6, "minute": 13}
